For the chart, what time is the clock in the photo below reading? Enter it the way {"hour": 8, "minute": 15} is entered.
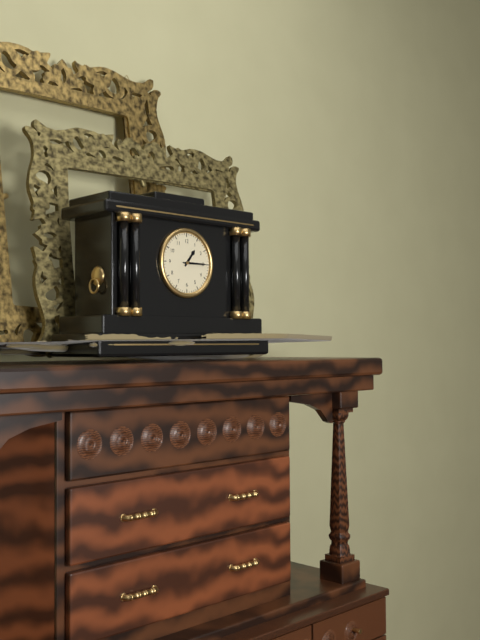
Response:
{"hour": 1, "minute": 15}
